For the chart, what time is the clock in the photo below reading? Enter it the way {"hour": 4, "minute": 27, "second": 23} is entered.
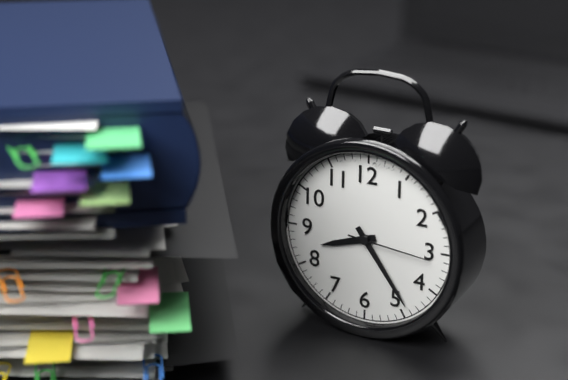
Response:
{"hour": 8, "minute": 24, "second": 16}
